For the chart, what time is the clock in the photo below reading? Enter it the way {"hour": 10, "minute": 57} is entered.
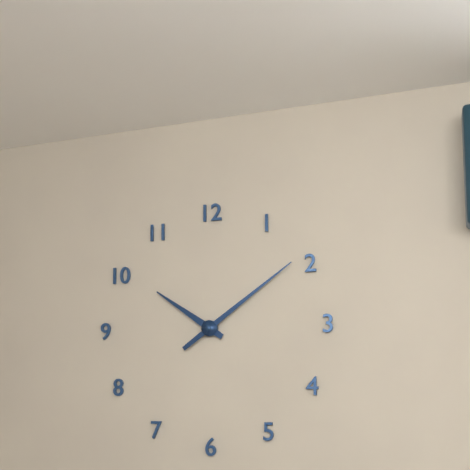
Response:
{"hour": 10, "minute": 9}
